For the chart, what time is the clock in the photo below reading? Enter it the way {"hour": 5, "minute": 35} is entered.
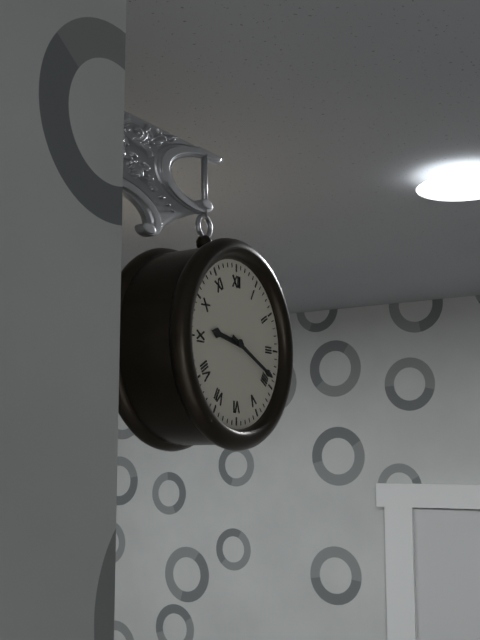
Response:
{"hour": 9, "minute": 19}
